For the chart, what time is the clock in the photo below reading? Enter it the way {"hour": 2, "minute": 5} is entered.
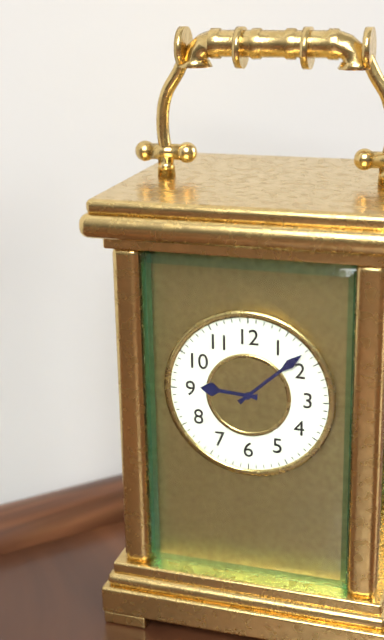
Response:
{"hour": 9, "minute": 8}
